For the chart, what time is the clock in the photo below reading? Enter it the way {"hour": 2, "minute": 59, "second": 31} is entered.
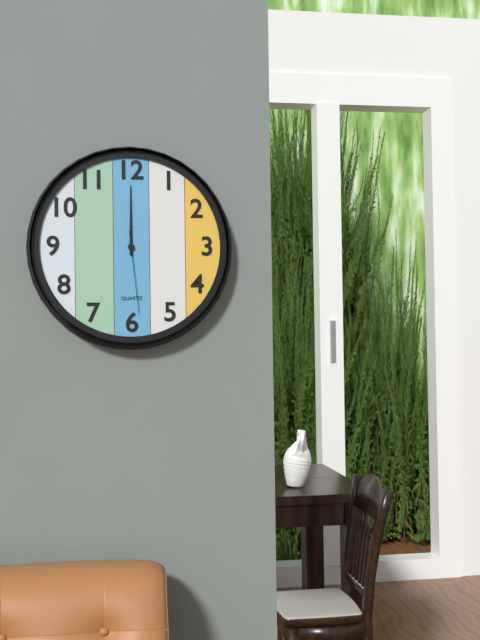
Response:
{"hour": 12, "minute": 0, "second": 29}
